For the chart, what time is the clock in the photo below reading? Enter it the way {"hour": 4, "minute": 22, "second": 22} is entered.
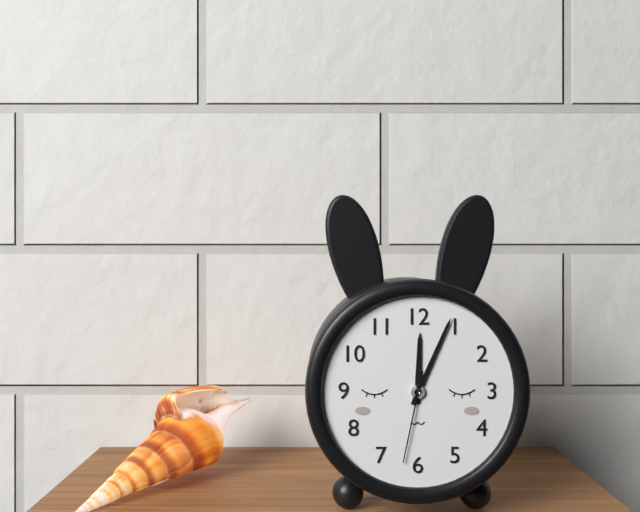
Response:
{"hour": 12, "minute": 4, "second": 32}
